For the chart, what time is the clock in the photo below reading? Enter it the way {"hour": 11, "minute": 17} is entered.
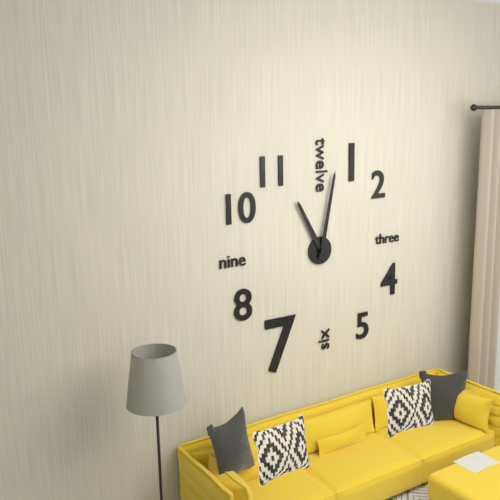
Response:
{"hour": 11, "minute": 2}
